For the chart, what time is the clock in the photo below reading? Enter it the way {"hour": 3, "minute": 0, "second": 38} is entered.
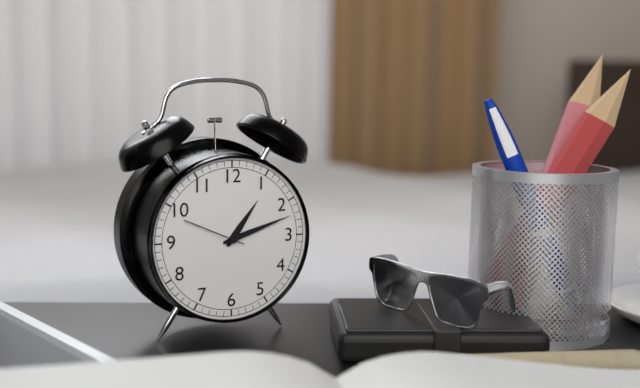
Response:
{"hour": 1, "minute": 12, "second": 49}
